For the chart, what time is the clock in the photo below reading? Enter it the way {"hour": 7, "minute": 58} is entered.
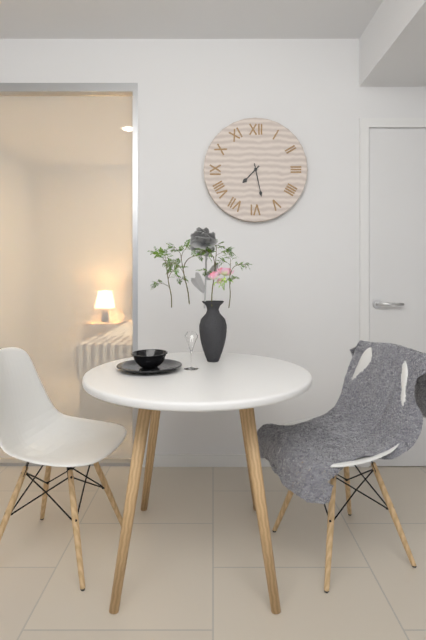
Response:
{"hour": 7, "minute": 28}
